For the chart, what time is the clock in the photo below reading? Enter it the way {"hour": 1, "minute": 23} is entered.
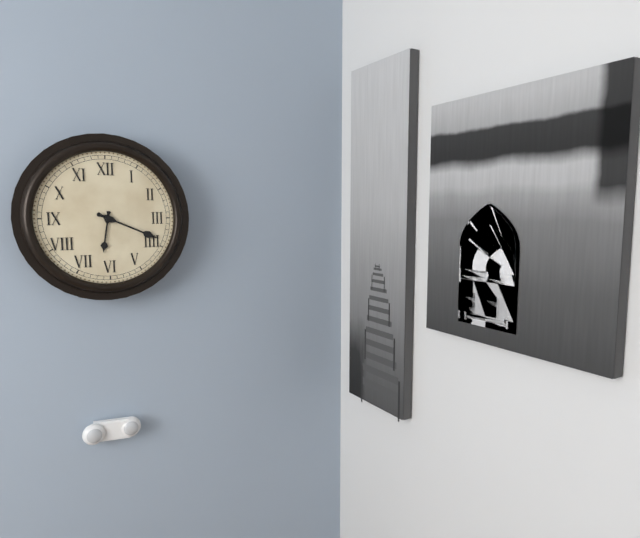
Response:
{"hour": 6, "minute": 19}
